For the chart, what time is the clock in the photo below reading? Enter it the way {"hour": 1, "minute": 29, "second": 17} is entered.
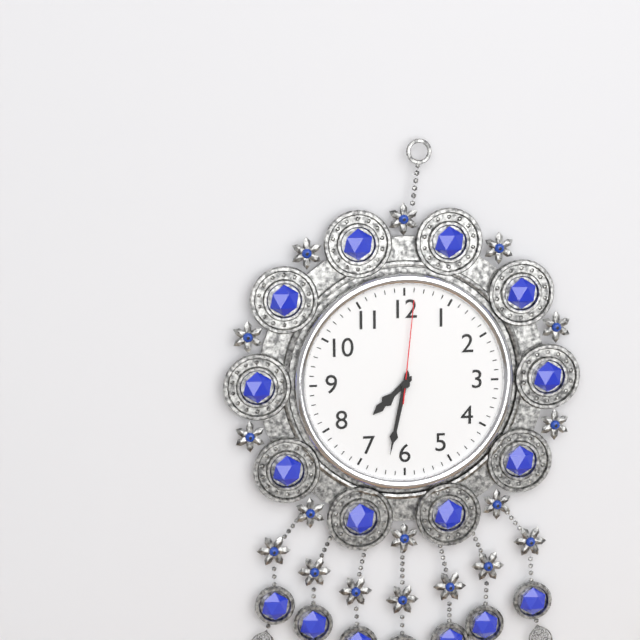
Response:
{"hour": 7, "minute": 32, "second": 1}
